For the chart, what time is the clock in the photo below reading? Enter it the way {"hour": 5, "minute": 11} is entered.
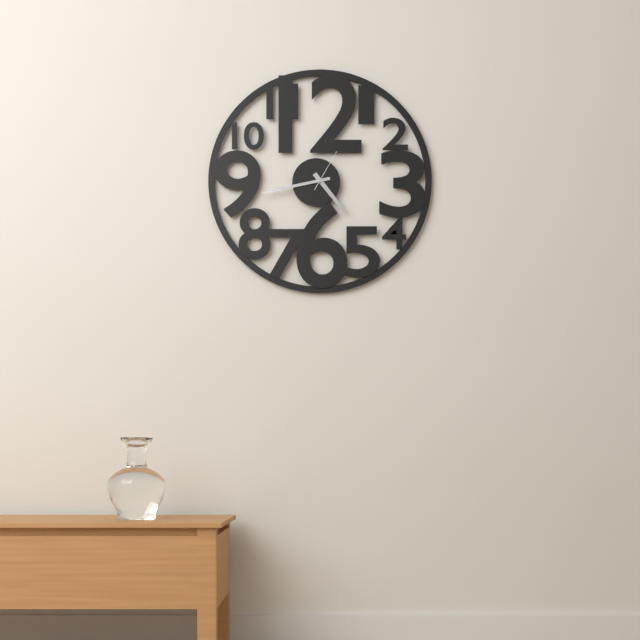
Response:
{"hour": 4, "minute": 43}
